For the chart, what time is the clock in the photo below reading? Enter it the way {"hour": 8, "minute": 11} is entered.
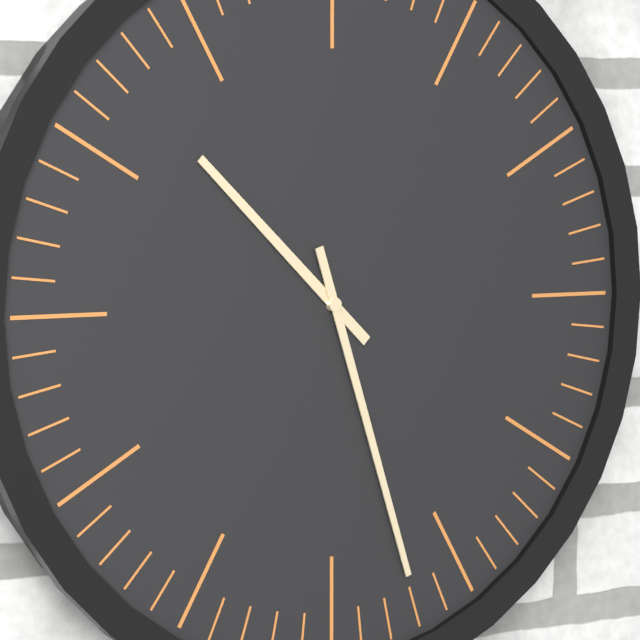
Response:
{"hour": 10, "minute": 27}
